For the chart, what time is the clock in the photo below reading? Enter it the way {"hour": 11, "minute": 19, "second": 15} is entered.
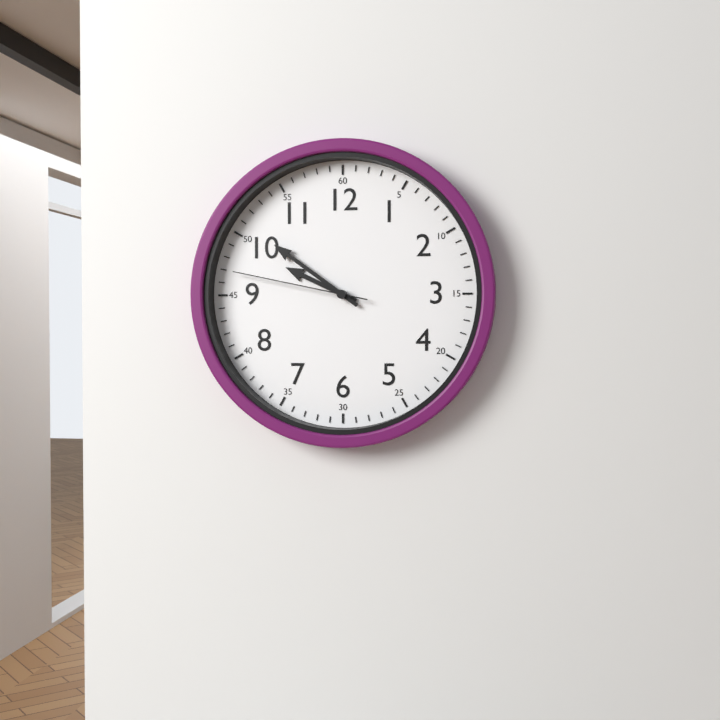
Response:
{"hour": 9, "minute": 51, "second": 47}
